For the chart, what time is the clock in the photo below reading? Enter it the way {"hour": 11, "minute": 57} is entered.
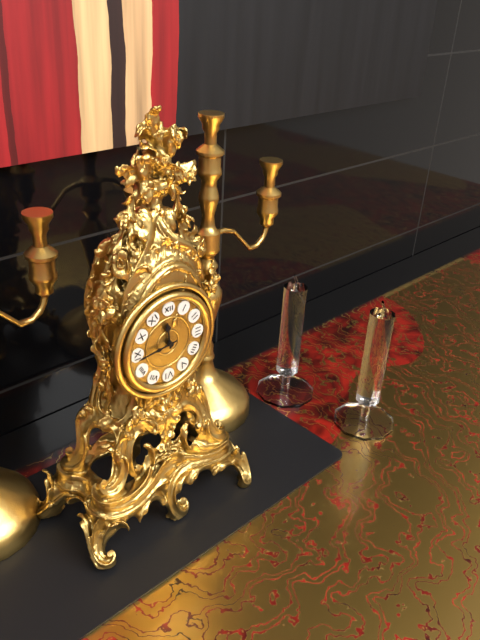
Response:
{"hour": 11, "minute": 44}
